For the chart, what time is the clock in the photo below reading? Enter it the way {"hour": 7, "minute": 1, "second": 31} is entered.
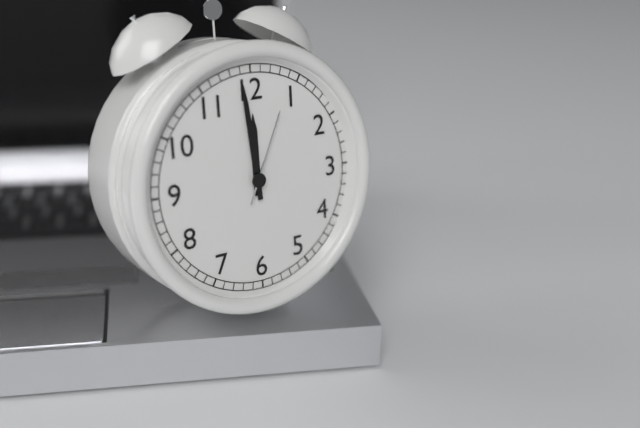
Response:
{"hour": 11, "minute": 59, "second": 4}
